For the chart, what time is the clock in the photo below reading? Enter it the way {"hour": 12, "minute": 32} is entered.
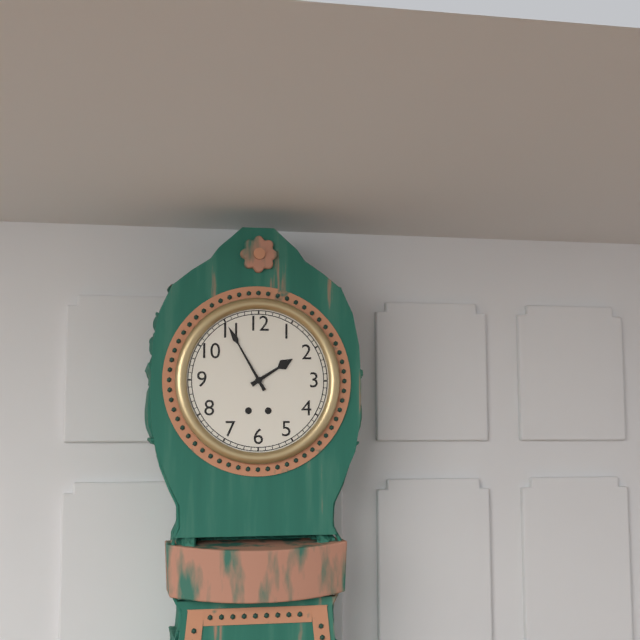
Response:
{"hour": 1, "minute": 55}
